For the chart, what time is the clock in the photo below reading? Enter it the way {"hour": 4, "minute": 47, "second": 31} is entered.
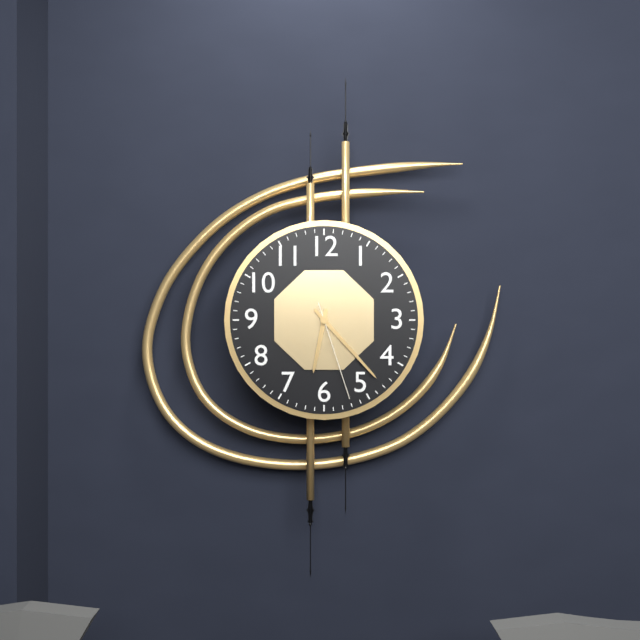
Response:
{"hour": 6, "minute": 23, "second": 27}
